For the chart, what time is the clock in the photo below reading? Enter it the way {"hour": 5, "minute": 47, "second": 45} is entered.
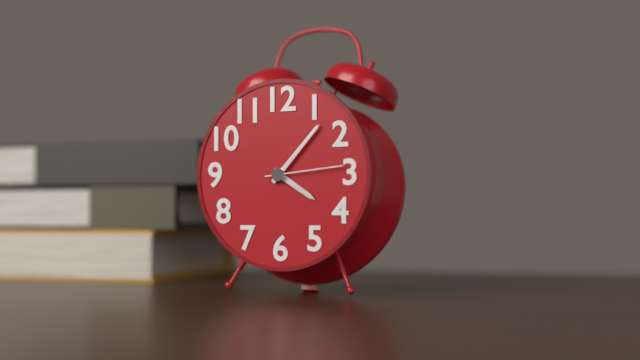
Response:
{"hour": 4, "minute": 7, "second": 14}
